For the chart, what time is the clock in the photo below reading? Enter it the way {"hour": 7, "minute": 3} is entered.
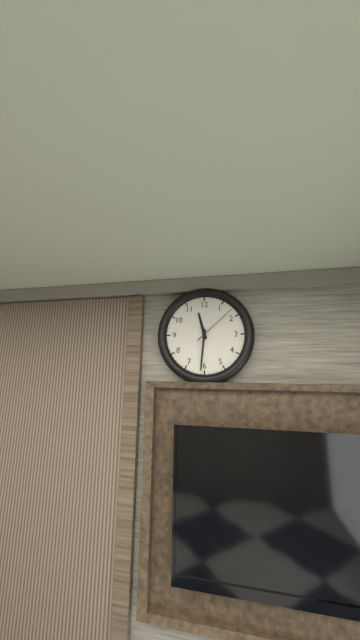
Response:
{"hour": 11, "minute": 31}
